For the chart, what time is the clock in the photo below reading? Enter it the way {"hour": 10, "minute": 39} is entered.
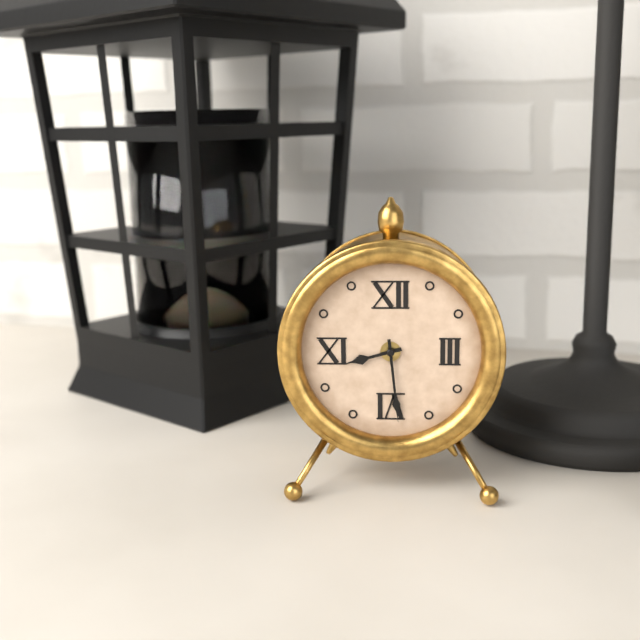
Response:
{"hour": 8, "minute": 29}
